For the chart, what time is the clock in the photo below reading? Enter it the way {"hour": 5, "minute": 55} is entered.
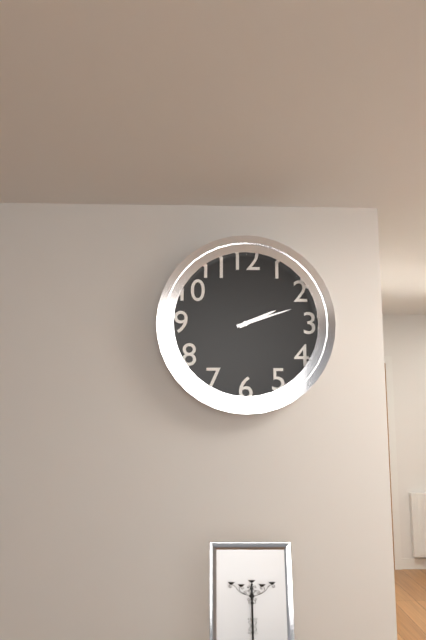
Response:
{"hour": 2, "minute": 12}
